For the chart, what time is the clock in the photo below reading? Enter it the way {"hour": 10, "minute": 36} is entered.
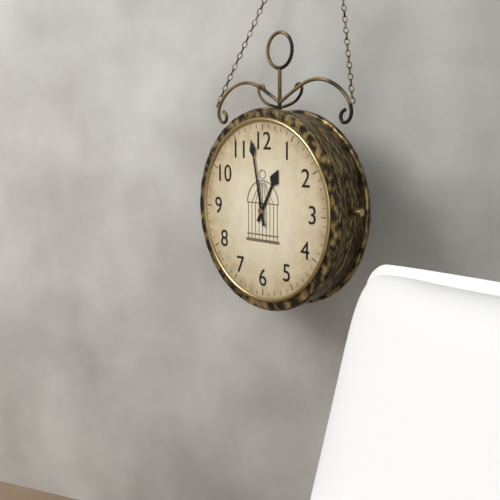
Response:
{"hour": 12, "minute": 58}
